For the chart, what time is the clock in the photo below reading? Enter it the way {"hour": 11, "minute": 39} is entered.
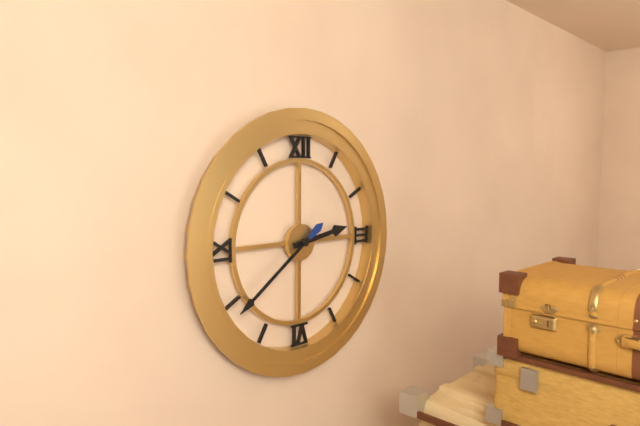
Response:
{"hour": 2, "minute": 39}
